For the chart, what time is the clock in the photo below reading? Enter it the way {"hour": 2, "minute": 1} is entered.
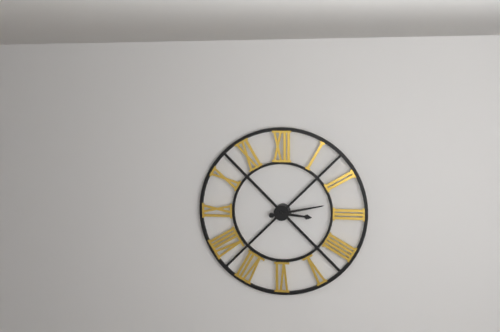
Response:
{"hour": 3, "minute": 13}
